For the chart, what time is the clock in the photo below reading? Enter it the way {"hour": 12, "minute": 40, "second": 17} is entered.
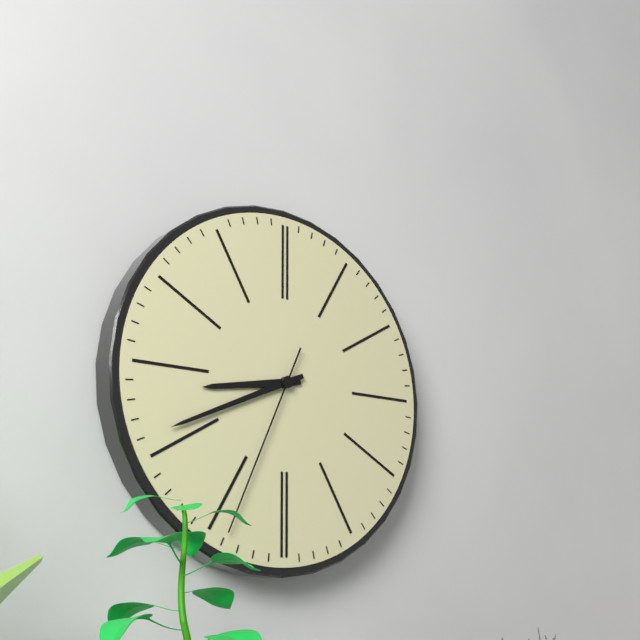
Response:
{"hour": 8, "minute": 41, "second": 34}
